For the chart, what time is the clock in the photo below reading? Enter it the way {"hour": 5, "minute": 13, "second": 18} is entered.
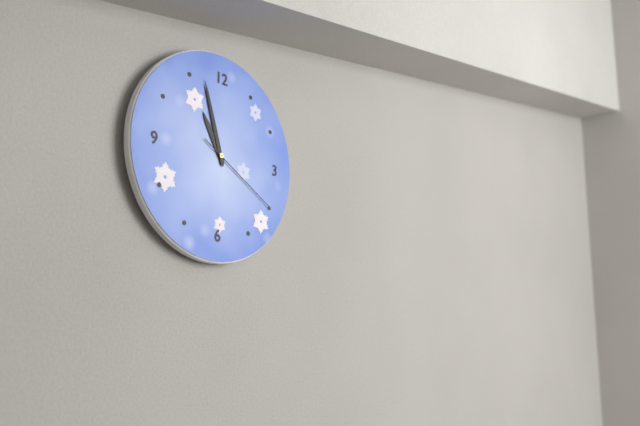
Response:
{"hour": 10, "minute": 57, "second": 20}
